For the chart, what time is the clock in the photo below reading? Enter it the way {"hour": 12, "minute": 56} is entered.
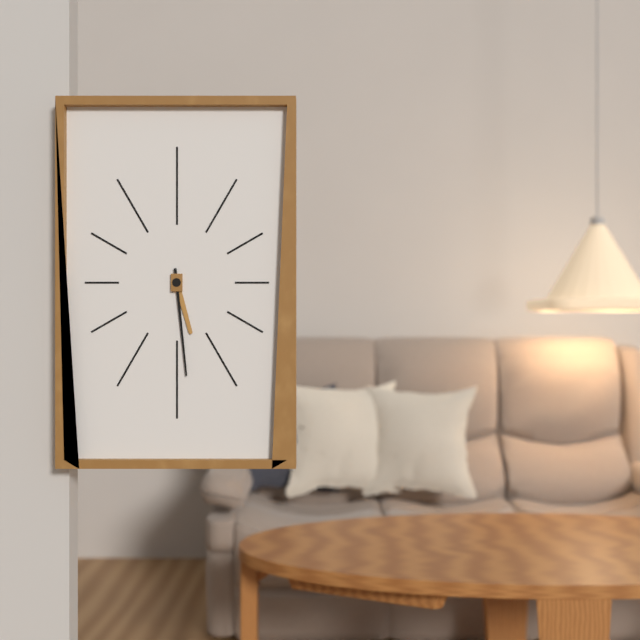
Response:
{"hour": 5, "minute": 29}
